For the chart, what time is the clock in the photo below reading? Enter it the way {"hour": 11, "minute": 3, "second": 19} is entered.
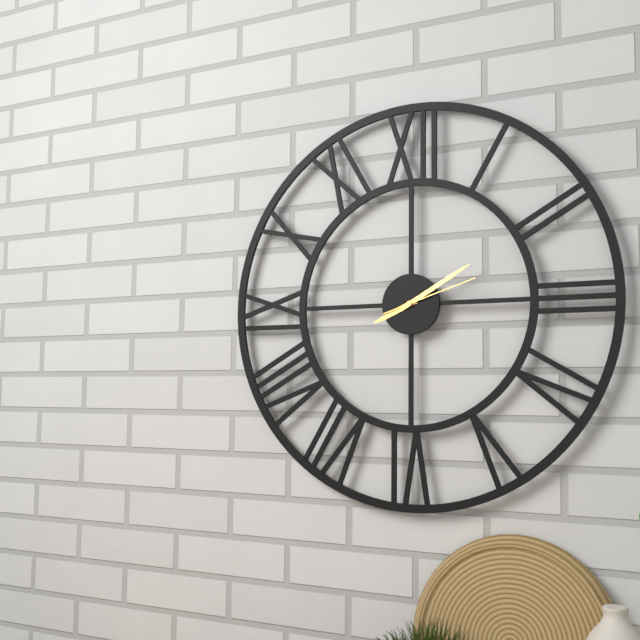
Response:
{"hour": 8, "minute": 10, "second": 12}
